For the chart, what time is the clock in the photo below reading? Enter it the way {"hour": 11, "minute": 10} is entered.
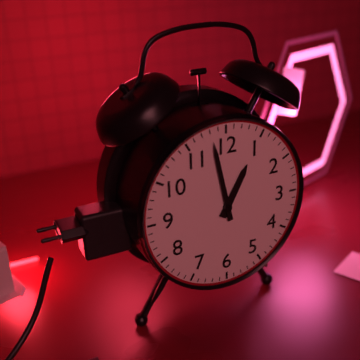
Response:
{"hour": 12, "minute": 58}
